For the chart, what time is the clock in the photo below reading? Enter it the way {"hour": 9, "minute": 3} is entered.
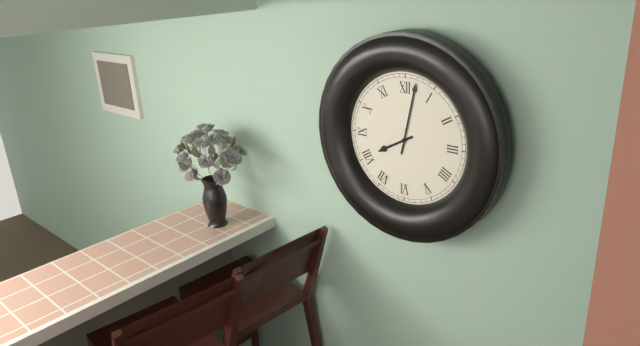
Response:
{"hour": 8, "minute": 2}
